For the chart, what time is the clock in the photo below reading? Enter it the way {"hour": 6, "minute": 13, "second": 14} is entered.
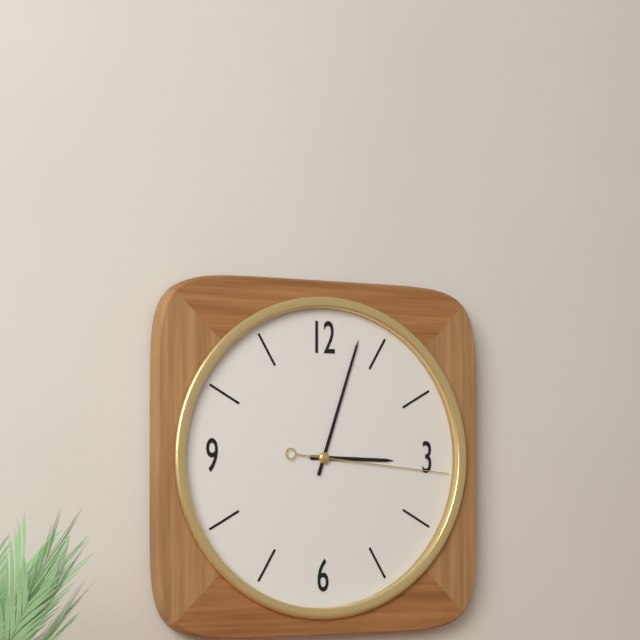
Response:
{"hour": 3, "minute": 3, "second": 16}
